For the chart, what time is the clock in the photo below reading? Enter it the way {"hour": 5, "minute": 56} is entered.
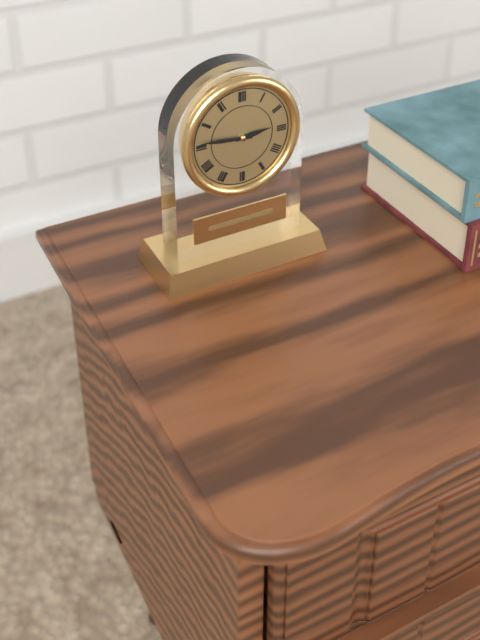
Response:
{"hour": 2, "minute": 46}
